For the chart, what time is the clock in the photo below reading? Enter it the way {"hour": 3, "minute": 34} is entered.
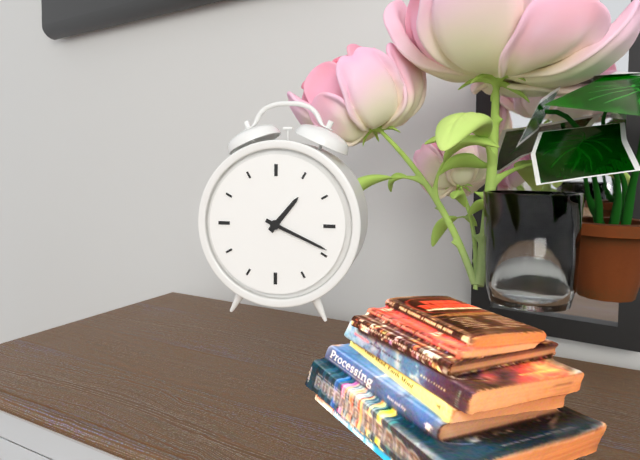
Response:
{"hour": 1, "minute": 19}
